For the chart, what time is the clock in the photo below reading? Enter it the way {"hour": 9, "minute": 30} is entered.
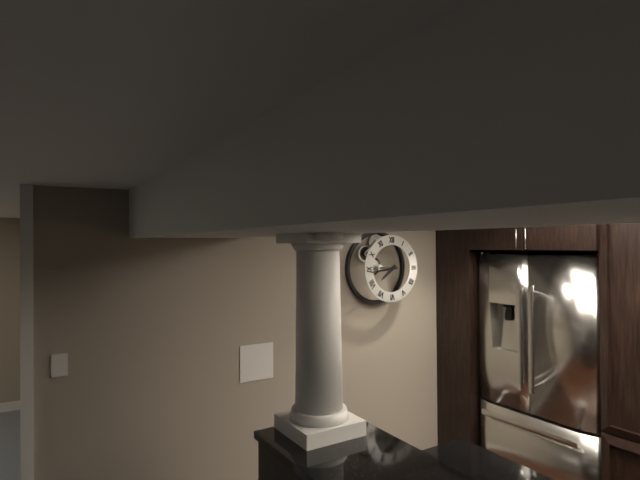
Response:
{"hour": 7, "minute": 44}
